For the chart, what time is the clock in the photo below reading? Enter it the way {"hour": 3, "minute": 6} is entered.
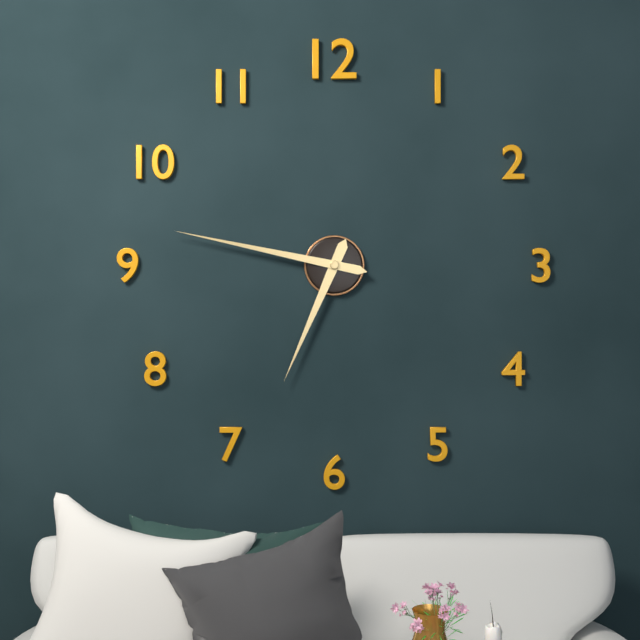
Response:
{"hour": 6, "minute": 47}
